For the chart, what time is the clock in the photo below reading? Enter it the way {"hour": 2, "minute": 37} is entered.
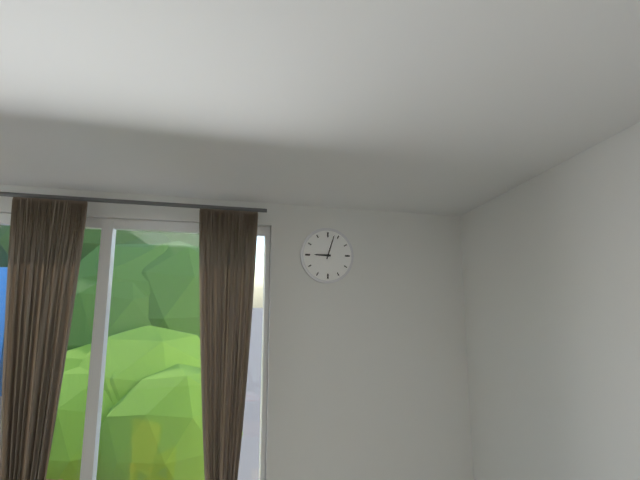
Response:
{"hour": 9, "minute": 3}
